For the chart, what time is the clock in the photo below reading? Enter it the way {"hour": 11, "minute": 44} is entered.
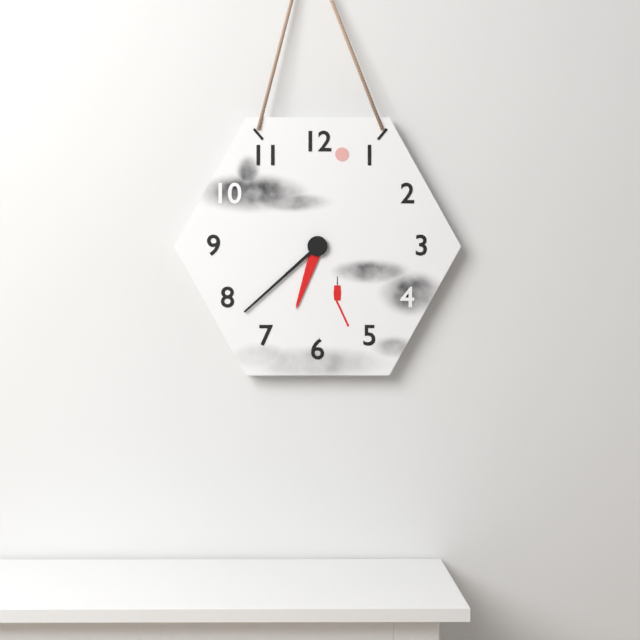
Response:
{"hour": 6, "minute": 38}
